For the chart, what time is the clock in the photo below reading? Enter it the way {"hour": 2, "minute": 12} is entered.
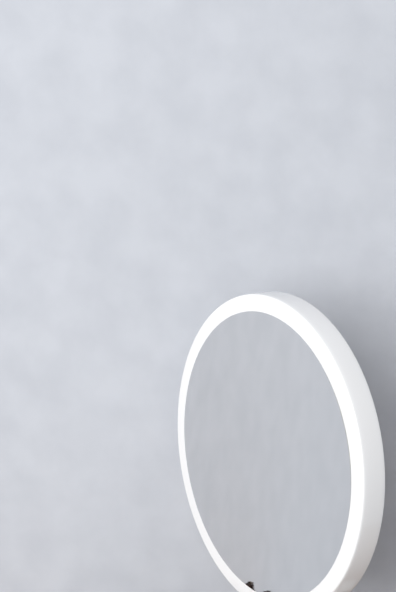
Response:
{"hour": 4, "minute": 0}
